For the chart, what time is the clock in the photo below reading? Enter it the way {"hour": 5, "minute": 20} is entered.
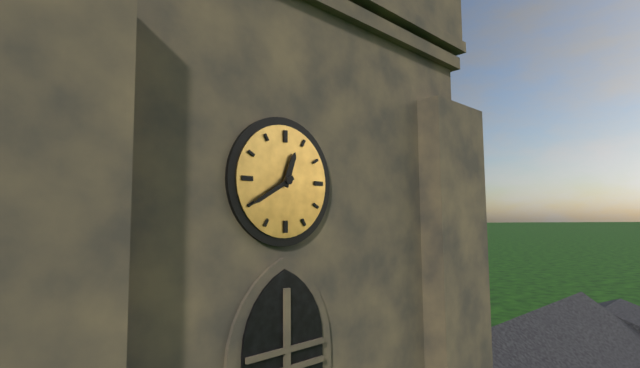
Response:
{"hour": 12, "minute": 40}
